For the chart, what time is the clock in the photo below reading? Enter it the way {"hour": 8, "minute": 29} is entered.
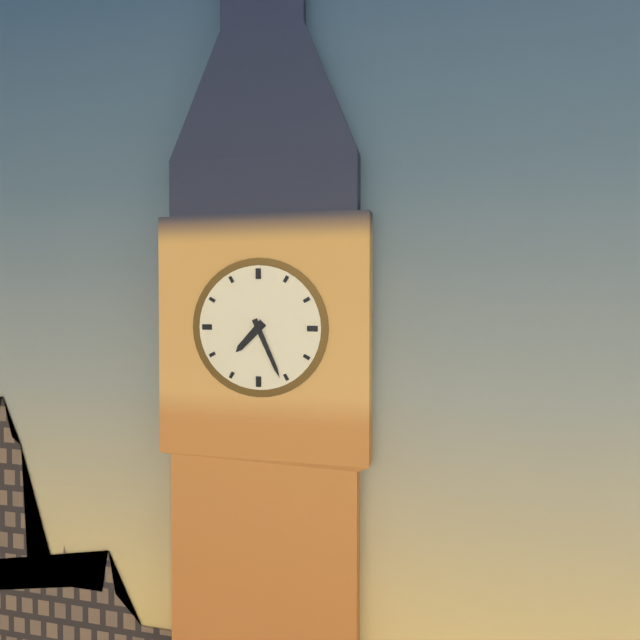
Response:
{"hour": 7, "minute": 26}
